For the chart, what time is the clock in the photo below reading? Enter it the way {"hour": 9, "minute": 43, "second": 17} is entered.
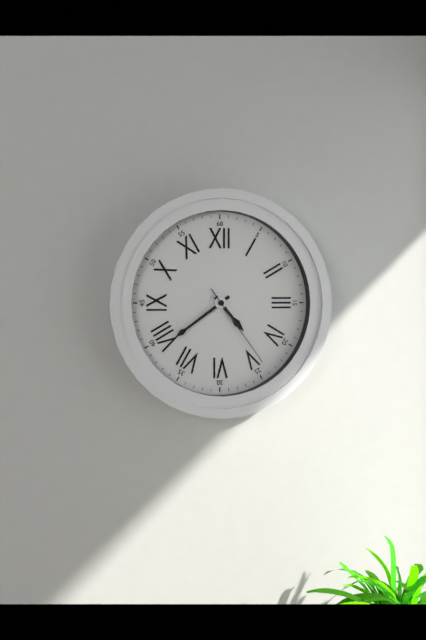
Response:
{"hour": 4, "minute": 39, "second": 24}
